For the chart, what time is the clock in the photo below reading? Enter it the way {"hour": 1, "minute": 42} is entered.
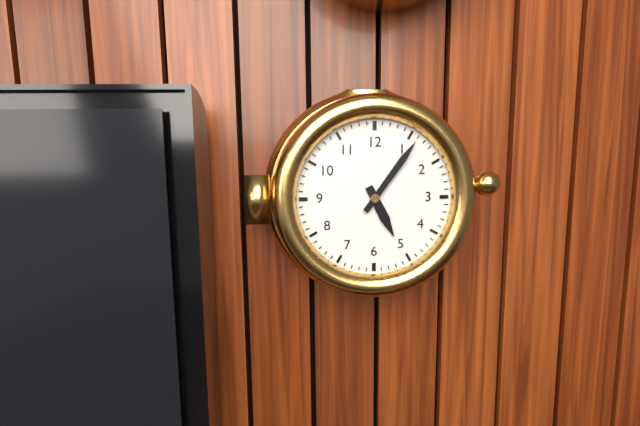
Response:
{"hour": 5, "minute": 6}
